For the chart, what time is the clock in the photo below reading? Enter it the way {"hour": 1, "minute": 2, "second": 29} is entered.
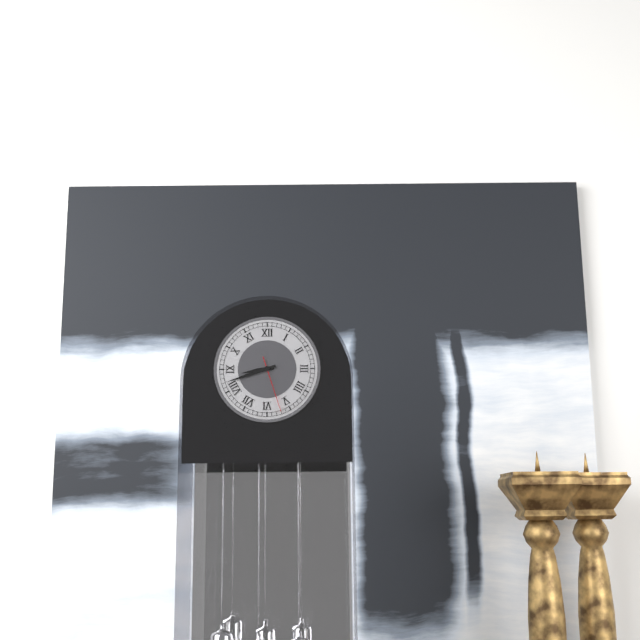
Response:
{"hour": 8, "minute": 42, "second": 27}
